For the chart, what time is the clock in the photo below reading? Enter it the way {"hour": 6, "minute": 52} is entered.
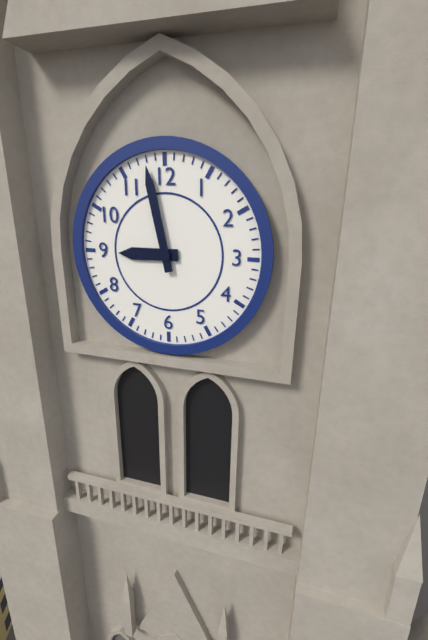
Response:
{"hour": 8, "minute": 58}
